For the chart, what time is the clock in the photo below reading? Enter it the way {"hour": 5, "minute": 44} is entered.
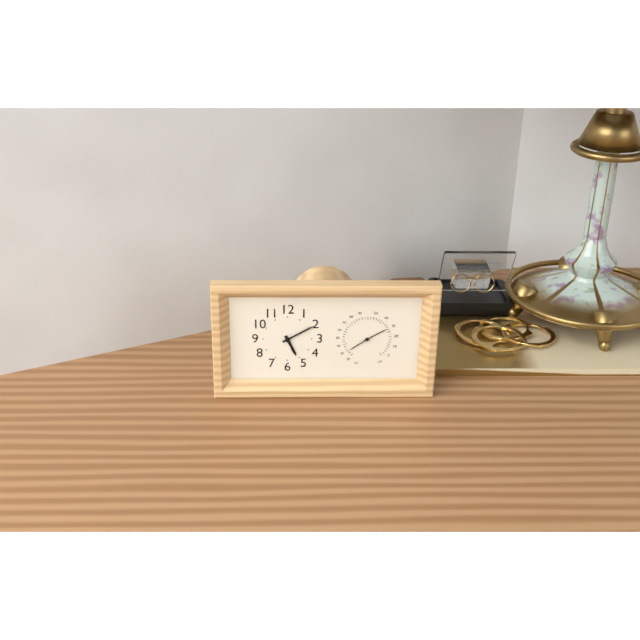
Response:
{"hour": 5, "minute": 10}
